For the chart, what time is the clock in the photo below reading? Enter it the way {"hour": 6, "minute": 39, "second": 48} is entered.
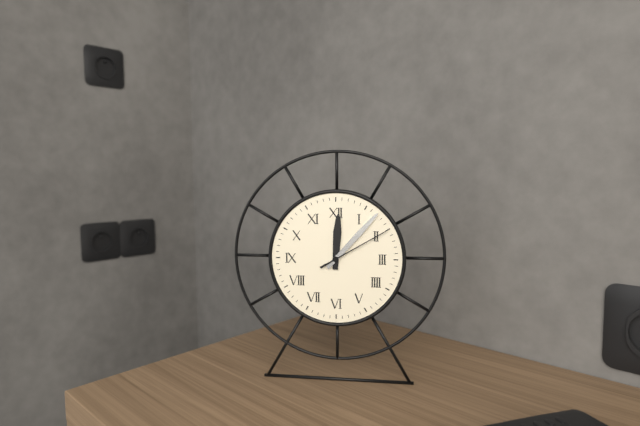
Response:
{"hour": 12, "minute": 7, "second": 10}
